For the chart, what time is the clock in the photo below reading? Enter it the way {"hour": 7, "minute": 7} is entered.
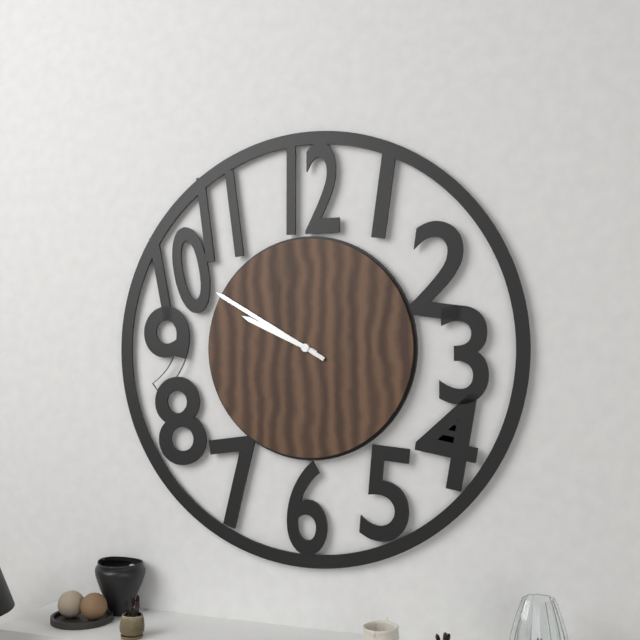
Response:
{"hour": 9, "minute": 50}
